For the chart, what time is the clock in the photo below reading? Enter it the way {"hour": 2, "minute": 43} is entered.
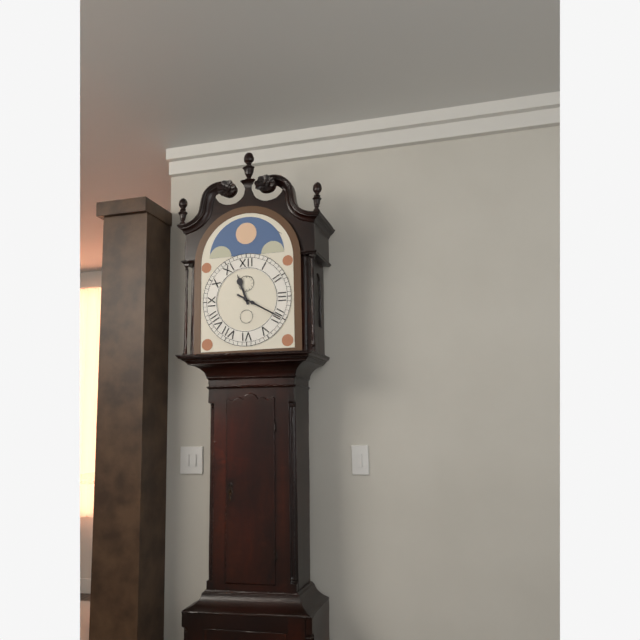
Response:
{"hour": 11, "minute": 20}
